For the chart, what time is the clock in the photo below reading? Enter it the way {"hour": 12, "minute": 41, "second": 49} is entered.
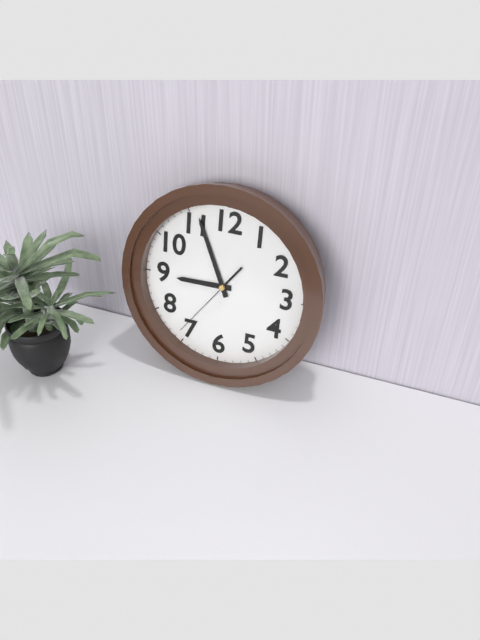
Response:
{"hour": 8, "minute": 56, "second": 36}
